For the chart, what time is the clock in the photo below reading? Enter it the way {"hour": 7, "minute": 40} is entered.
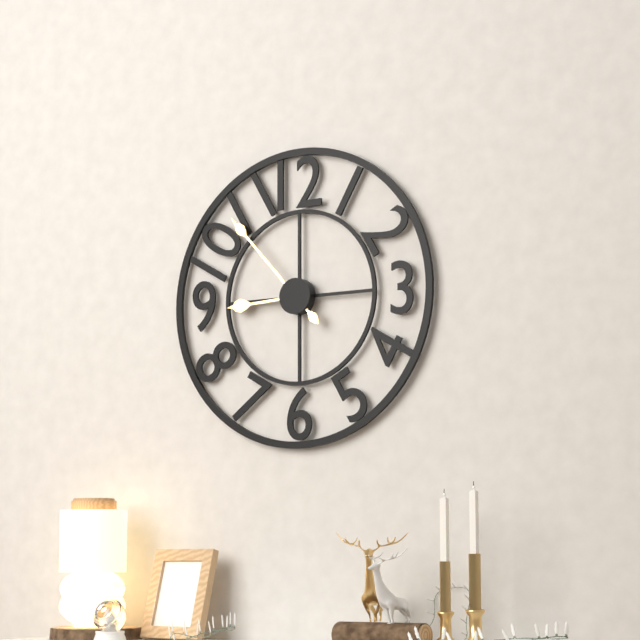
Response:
{"hour": 8, "minute": 53}
